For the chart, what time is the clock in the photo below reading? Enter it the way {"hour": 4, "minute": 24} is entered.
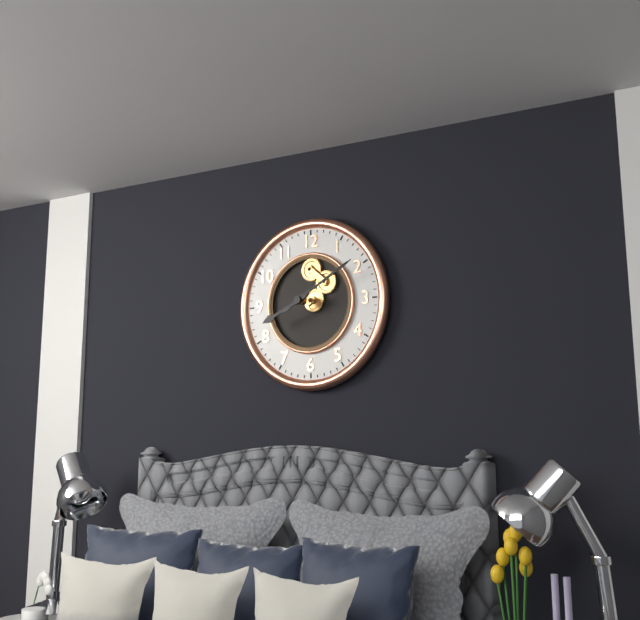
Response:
{"hour": 8, "minute": 10}
